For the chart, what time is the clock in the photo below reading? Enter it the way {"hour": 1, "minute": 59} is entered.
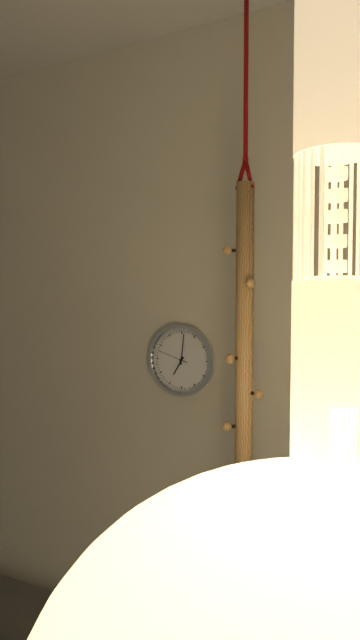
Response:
{"hour": 7, "minute": 1}
